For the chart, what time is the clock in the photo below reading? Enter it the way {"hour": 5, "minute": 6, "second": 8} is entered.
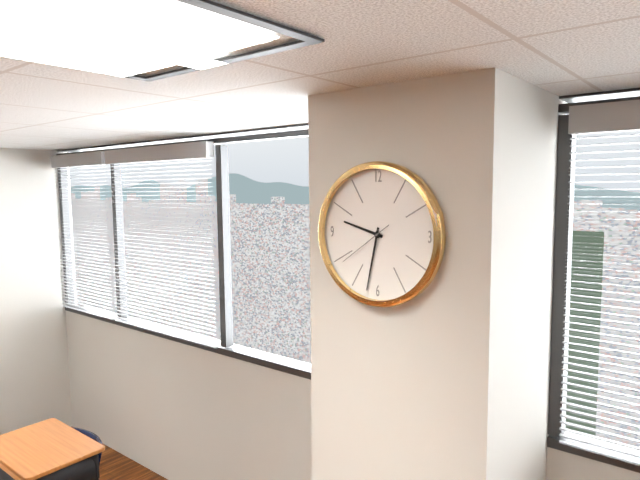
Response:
{"hour": 9, "minute": 32, "second": 39}
